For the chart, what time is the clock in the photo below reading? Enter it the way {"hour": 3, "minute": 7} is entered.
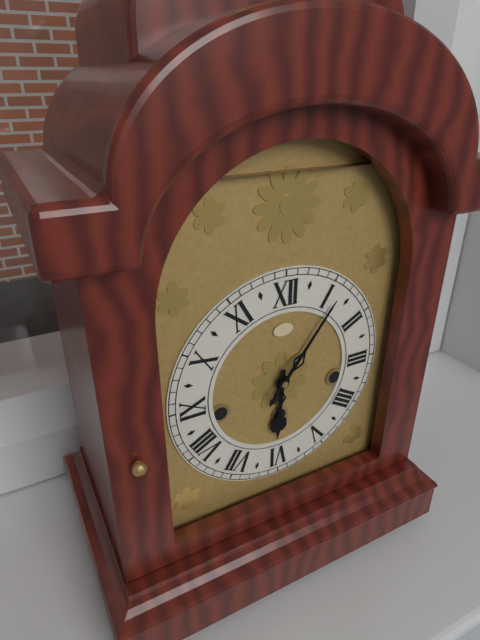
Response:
{"hour": 6, "minute": 6}
